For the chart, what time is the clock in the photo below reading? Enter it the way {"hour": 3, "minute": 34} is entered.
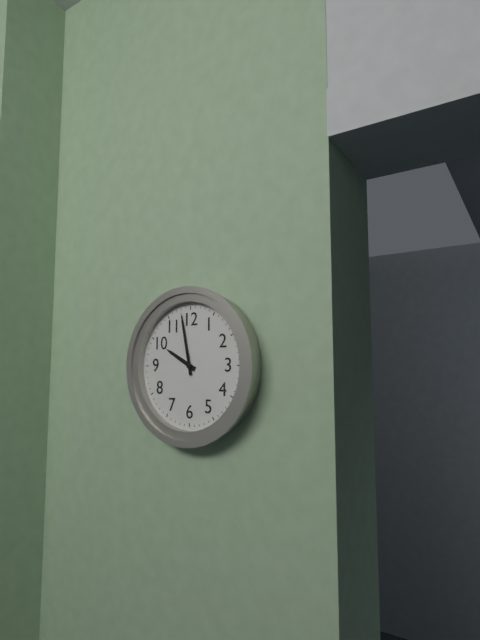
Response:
{"hour": 9, "minute": 58}
